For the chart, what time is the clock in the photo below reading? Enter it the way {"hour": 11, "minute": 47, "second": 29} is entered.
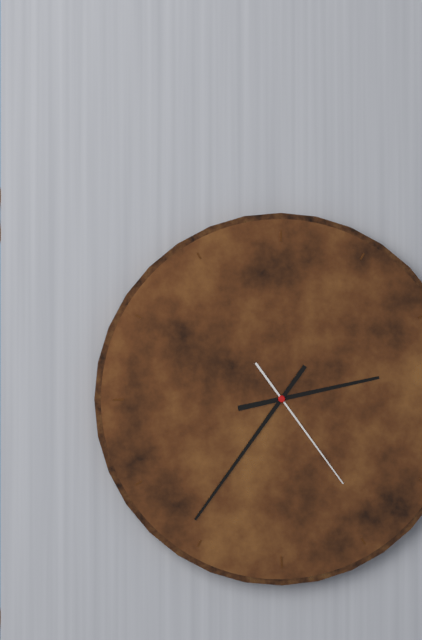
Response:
{"hour": 2, "minute": 36, "second": 24}
